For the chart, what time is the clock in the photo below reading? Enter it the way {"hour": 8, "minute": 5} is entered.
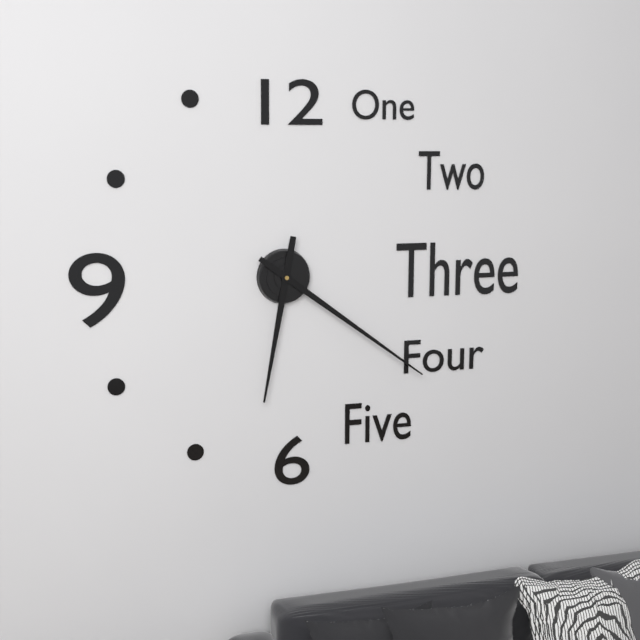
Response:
{"hour": 6, "minute": 21}
